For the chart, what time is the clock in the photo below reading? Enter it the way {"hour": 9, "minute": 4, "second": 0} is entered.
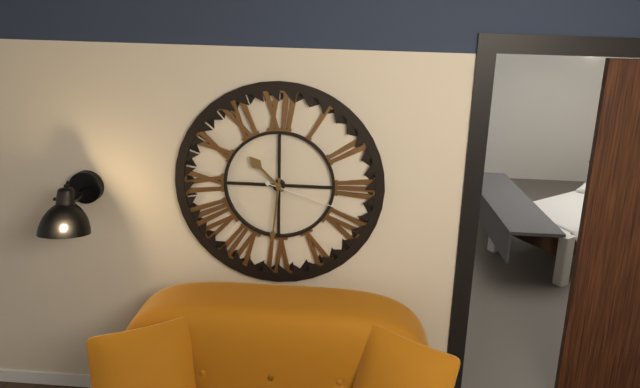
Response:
{"hour": 10, "minute": 31, "second": 18}
